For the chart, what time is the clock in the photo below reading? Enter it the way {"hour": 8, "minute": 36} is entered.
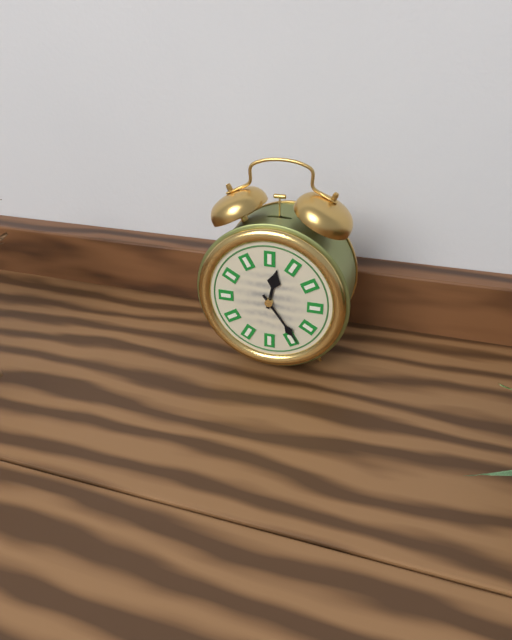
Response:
{"hour": 12, "minute": 24}
